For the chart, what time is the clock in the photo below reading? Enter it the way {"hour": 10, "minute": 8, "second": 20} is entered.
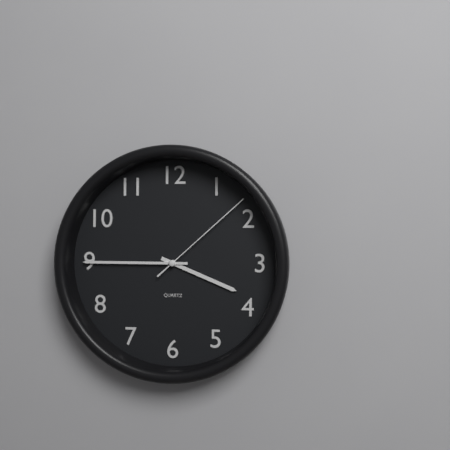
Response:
{"hour": 3, "minute": 45, "second": 8}
